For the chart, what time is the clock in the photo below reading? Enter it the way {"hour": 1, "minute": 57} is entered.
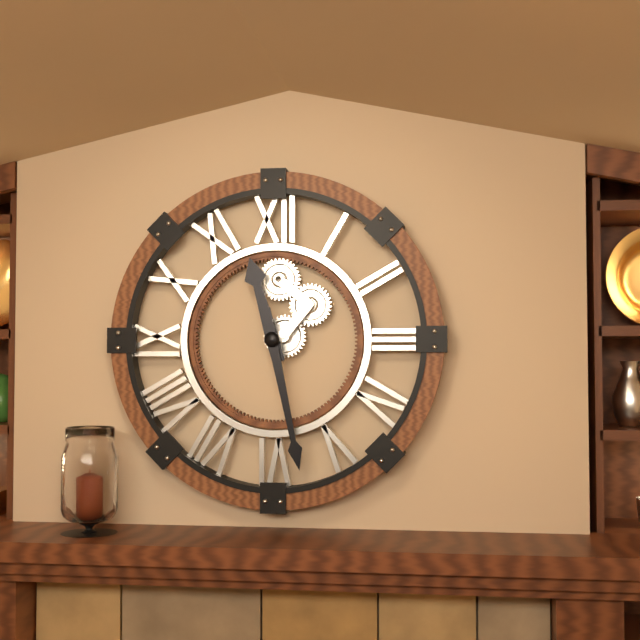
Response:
{"hour": 11, "minute": 28}
